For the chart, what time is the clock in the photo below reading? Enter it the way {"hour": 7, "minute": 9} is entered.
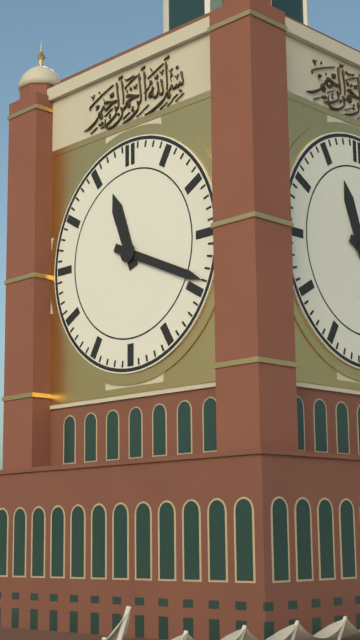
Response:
{"hour": 11, "minute": 19}
